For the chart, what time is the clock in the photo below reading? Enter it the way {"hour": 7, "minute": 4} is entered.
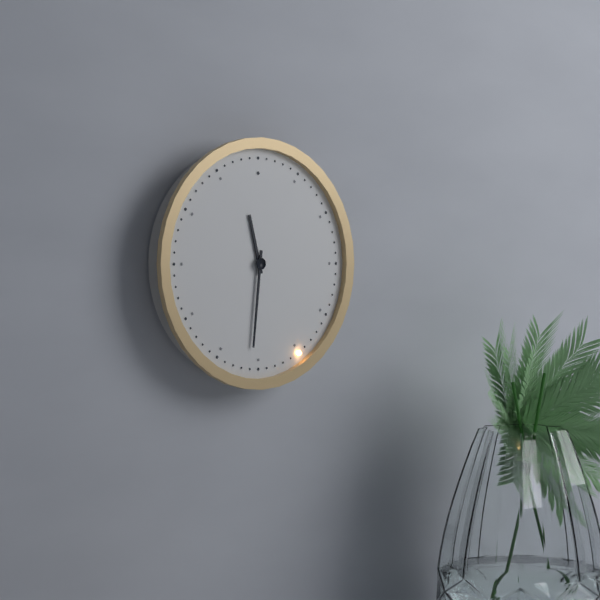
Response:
{"hour": 11, "minute": 31}
